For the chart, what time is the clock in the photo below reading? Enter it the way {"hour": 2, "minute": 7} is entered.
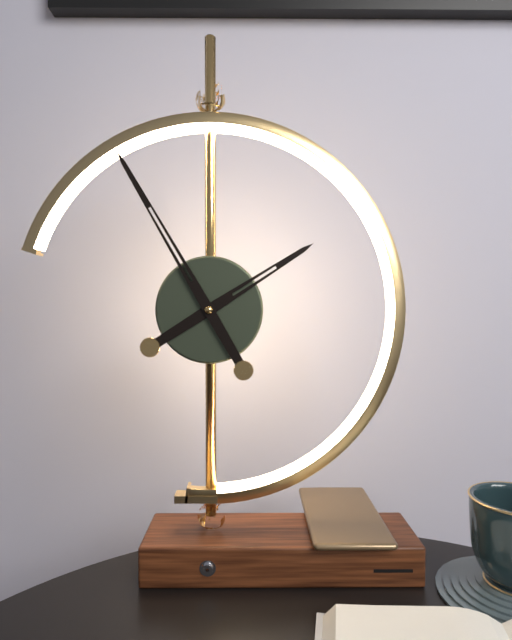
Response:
{"hour": 1, "minute": 55}
